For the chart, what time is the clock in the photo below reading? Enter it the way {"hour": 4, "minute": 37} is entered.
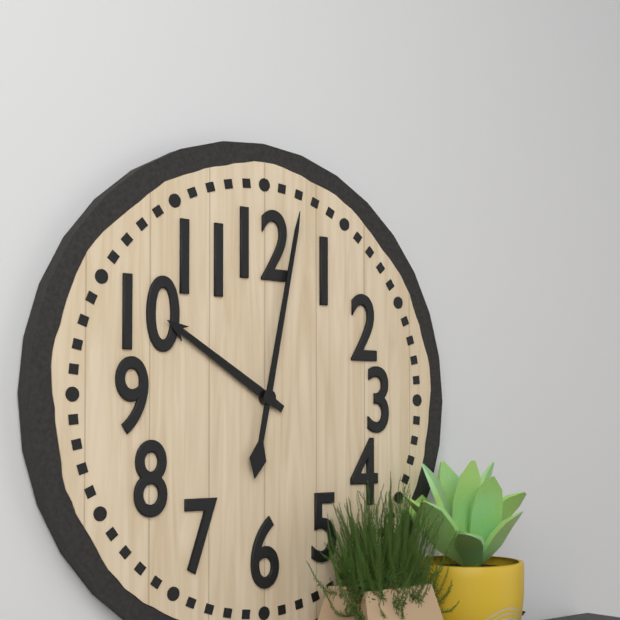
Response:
{"hour": 10, "minute": 2}
